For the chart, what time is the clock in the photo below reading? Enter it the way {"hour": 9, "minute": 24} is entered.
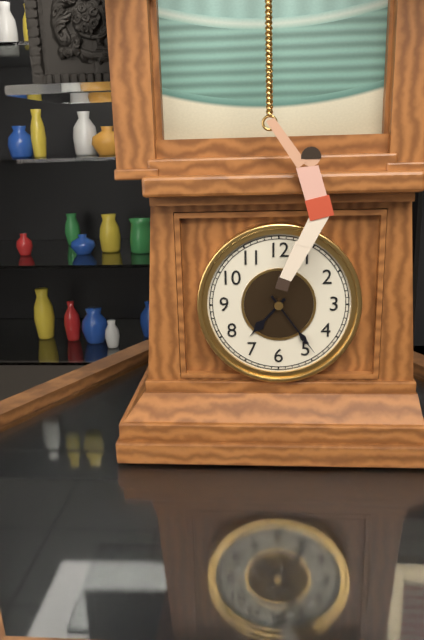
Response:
{"hour": 7, "minute": 24}
